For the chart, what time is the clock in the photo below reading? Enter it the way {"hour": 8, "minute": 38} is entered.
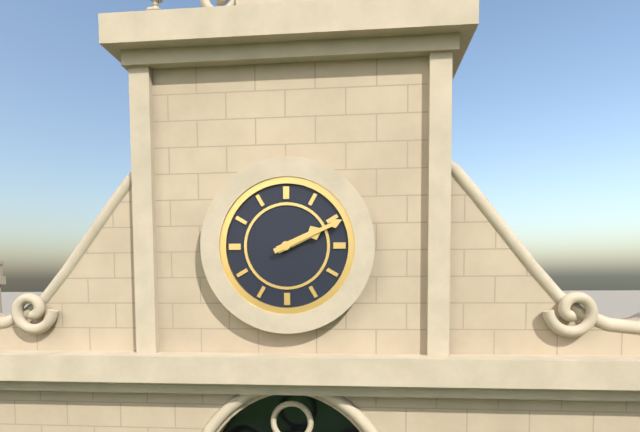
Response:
{"hour": 2, "minute": 11}
